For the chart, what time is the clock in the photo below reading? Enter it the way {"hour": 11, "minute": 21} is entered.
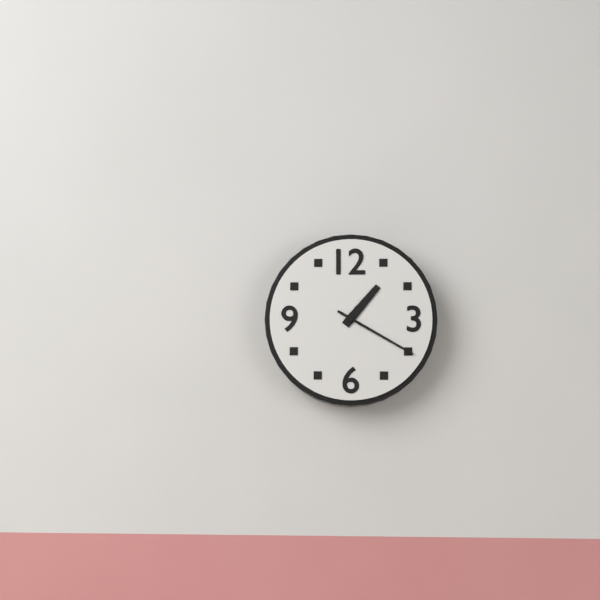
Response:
{"hour": 1, "minute": 20}
